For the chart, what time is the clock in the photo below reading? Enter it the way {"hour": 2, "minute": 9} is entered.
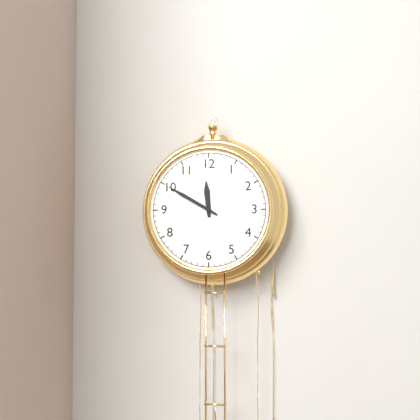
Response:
{"hour": 11, "minute": 50}
